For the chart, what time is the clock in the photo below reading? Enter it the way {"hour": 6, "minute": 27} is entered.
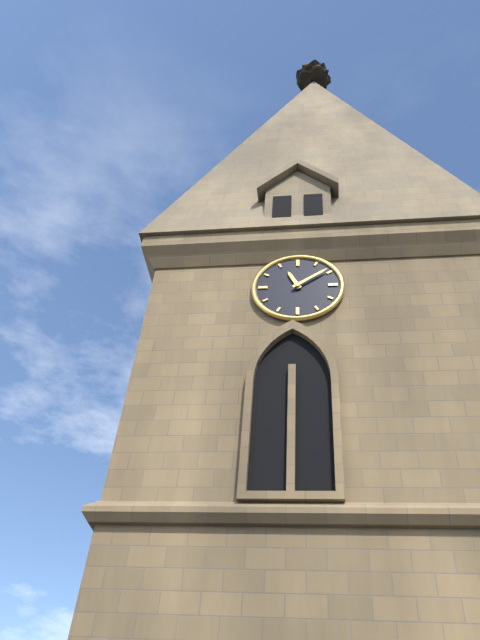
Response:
{"hour": 11, "minute": 9}
